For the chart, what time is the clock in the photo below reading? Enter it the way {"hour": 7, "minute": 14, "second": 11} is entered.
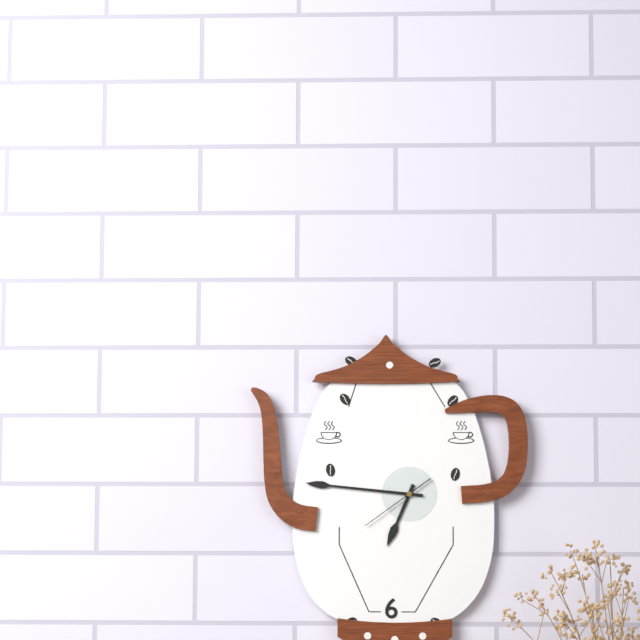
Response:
{"hour": 6, "minute": 46, "second": 39}
